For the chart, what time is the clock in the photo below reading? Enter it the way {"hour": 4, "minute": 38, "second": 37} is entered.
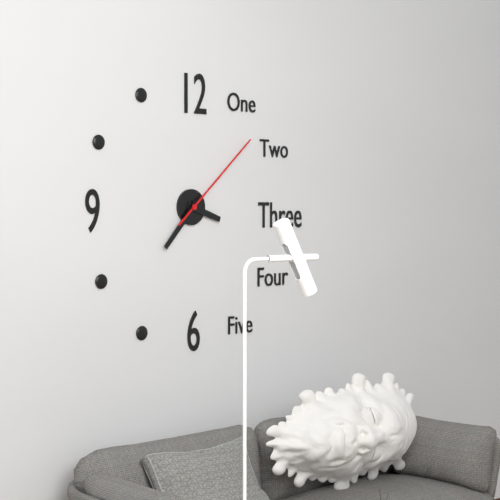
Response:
{"hour": 3, "minute": 37, "second": 8}
